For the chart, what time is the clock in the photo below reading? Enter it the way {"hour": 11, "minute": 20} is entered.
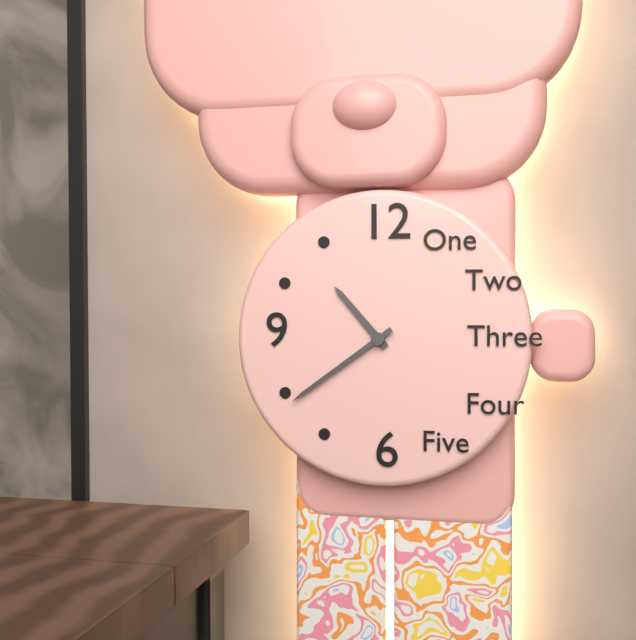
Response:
{"hour": 10, "minute": 39}
